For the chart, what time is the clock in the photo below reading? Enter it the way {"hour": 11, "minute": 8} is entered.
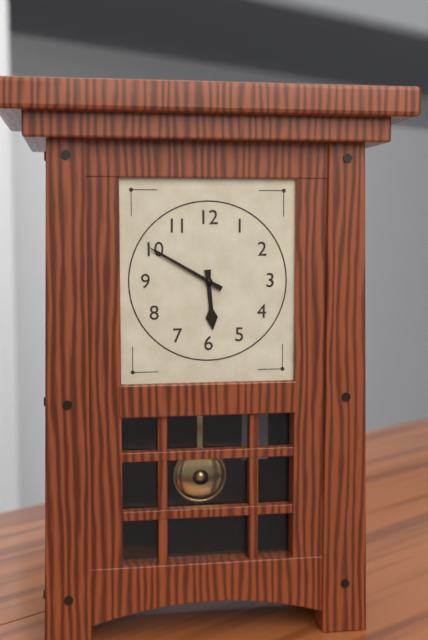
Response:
{"hour": 5, "minute": 50}
